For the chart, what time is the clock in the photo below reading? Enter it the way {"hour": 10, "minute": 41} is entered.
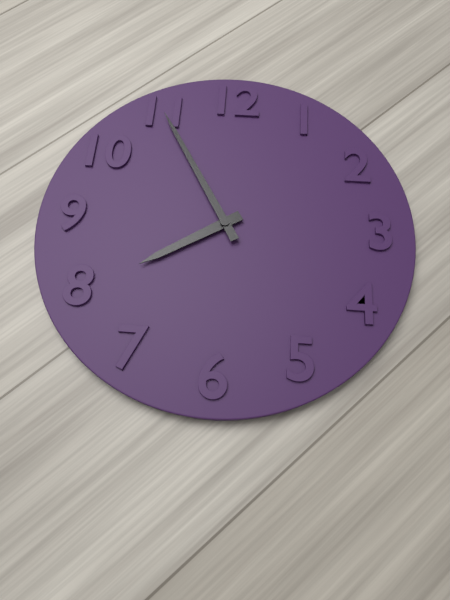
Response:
{"hour": 7, "minute": 55}
